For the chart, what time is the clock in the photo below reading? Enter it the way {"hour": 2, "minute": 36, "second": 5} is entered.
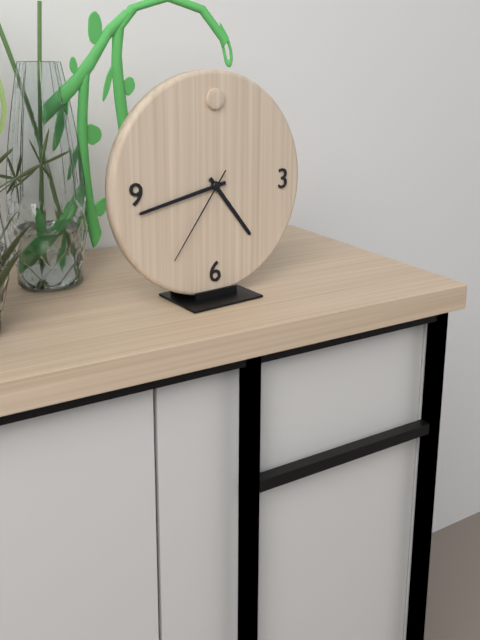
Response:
{"hour": 4, "minute": 43, "second": 36}
